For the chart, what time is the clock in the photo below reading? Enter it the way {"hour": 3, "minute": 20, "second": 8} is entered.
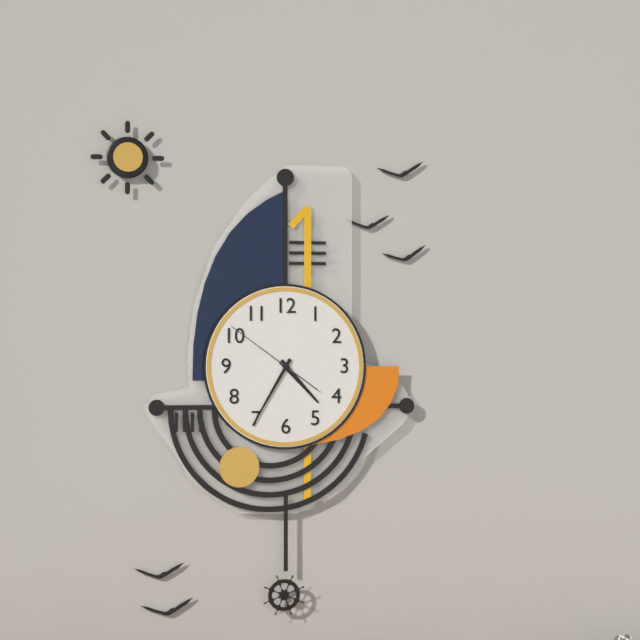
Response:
{"hour": 4, "minute": 35, "second": 51}
